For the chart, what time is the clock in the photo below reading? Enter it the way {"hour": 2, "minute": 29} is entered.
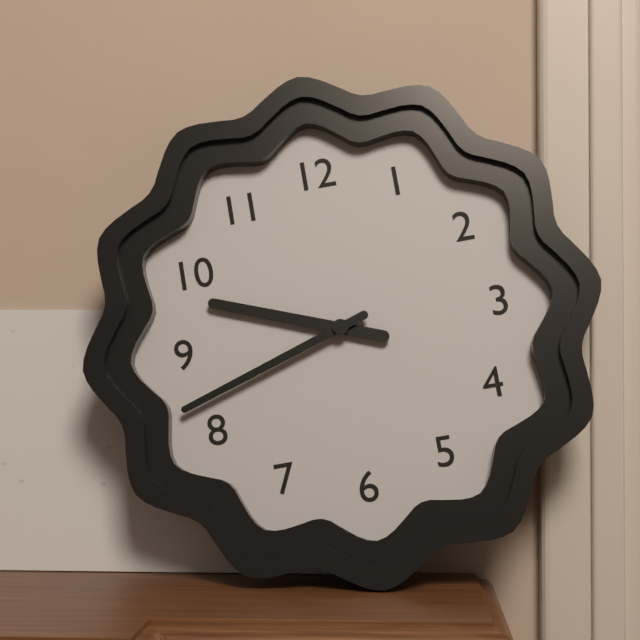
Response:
{"hour": 9, "minute": 42}
